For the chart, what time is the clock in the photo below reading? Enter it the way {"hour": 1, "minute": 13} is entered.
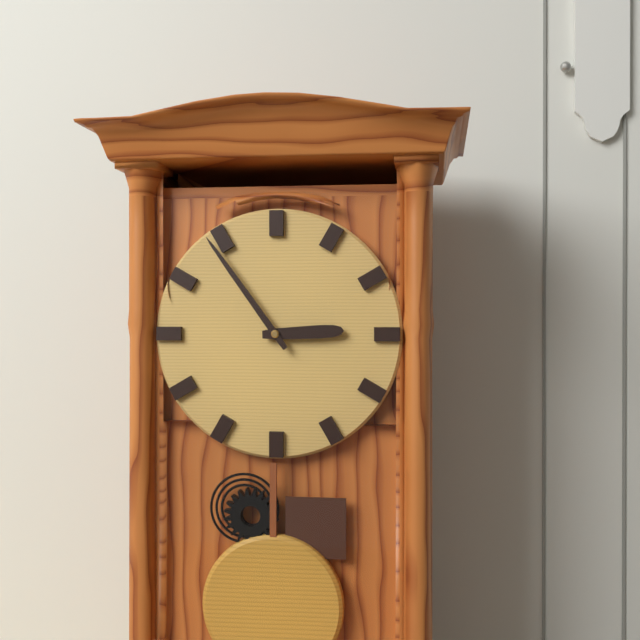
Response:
{"hour": 2, "minute": 54}
